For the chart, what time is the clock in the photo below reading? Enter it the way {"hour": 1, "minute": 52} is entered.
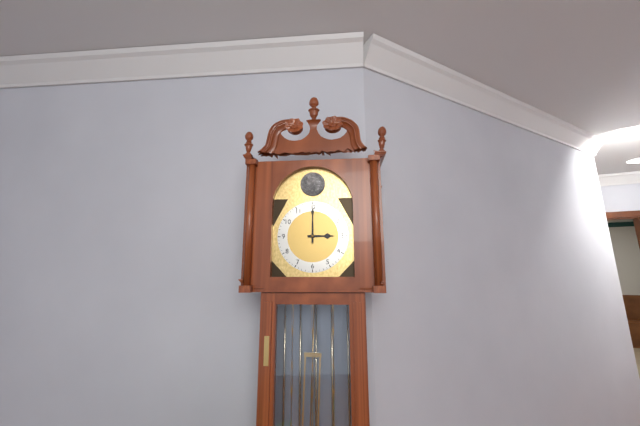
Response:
{"hour": 3, "minute": 0}
